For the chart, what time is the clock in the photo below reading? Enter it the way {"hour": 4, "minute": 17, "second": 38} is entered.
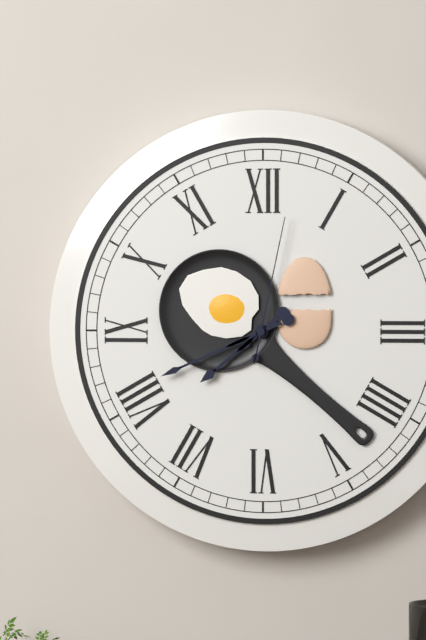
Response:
{"hour": 7, "minute": 41, "second": 2}
